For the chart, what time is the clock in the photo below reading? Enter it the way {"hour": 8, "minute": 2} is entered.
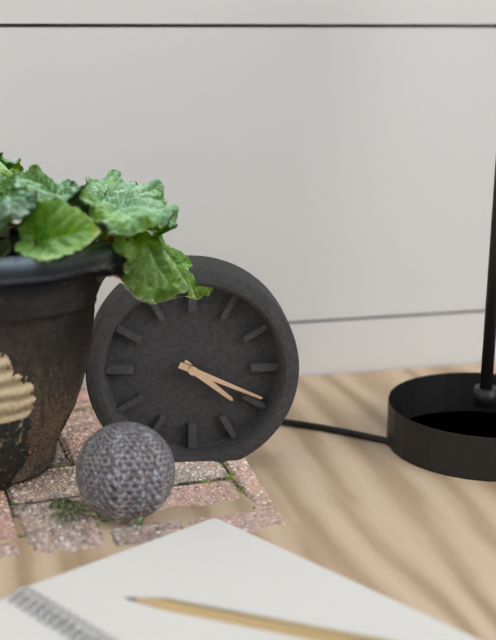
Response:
{"hour": 4, "minute": 19}
